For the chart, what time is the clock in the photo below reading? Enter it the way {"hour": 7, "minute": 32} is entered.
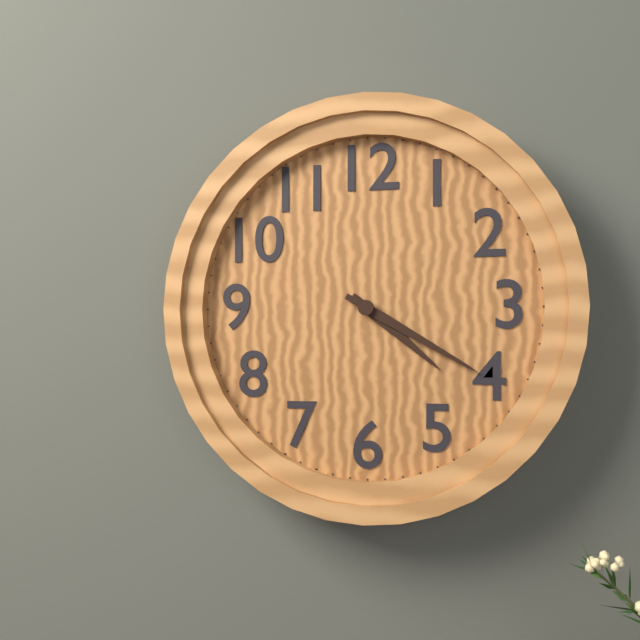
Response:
{"hour": 4, "minute": 20}
